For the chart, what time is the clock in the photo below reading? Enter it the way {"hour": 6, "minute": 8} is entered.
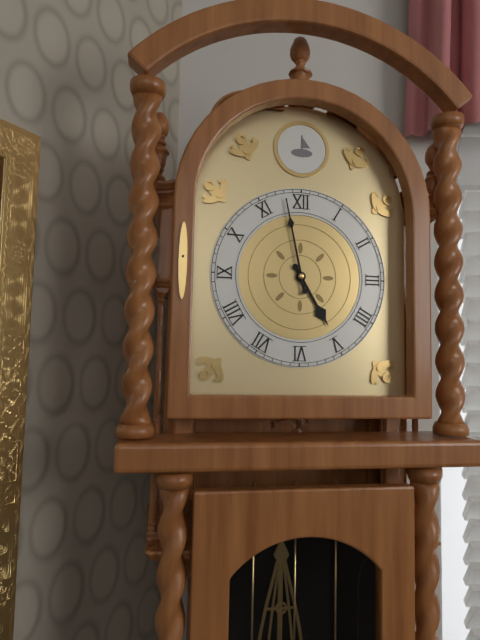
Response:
{"hour": 4, "minute": 58}
